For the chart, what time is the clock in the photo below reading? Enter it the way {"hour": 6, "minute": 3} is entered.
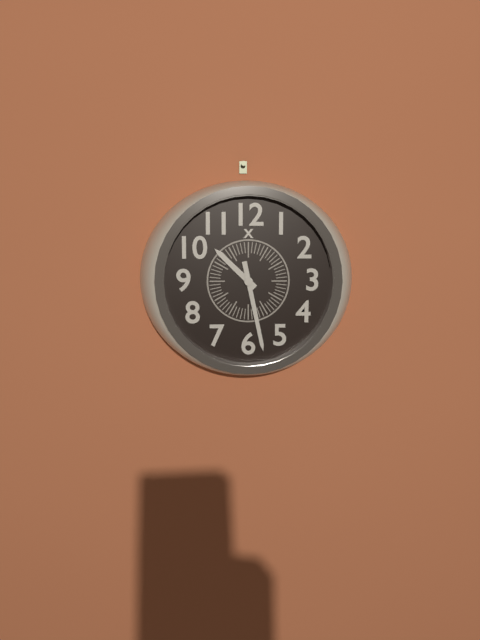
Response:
{"hour": 10, "minute": 28}
